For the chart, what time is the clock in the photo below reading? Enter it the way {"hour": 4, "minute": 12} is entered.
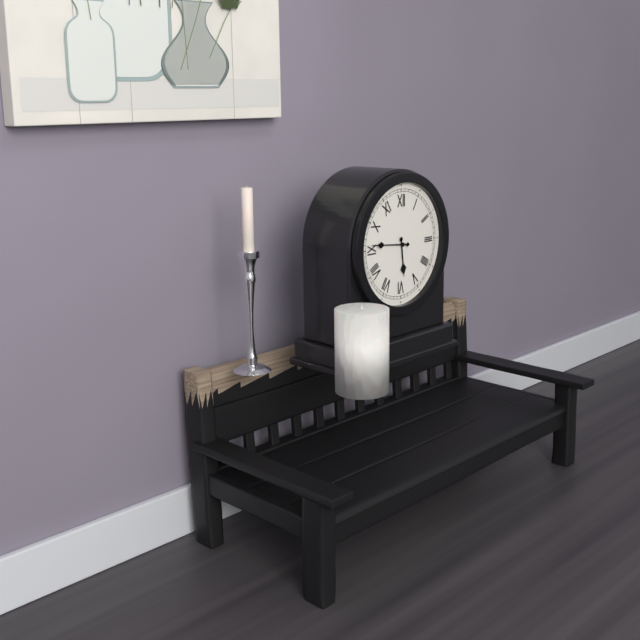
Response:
{"hour": 5, "minute": 46}
